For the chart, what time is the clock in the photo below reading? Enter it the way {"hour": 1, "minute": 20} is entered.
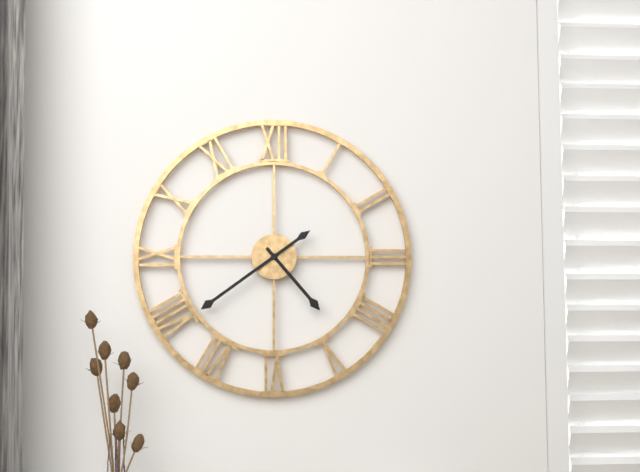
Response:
{"hour": 4, "minute": 39}
